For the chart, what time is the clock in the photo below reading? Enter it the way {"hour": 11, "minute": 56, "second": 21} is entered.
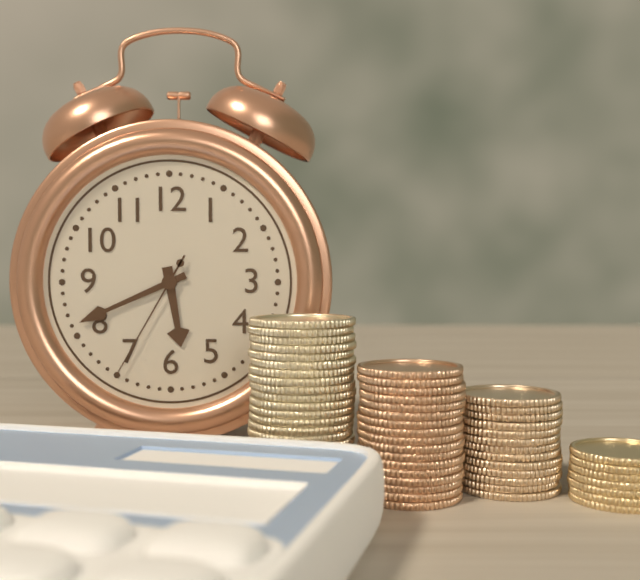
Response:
{"hour": 5, "minute": 41, "second": 35}
